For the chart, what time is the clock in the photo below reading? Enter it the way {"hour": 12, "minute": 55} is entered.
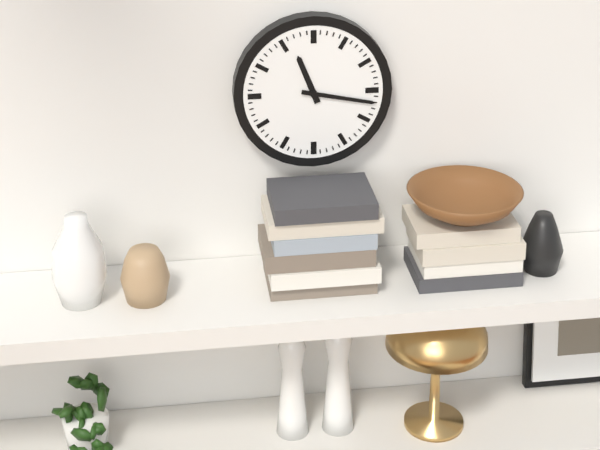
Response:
{"hour": 11, "minute": 17}
